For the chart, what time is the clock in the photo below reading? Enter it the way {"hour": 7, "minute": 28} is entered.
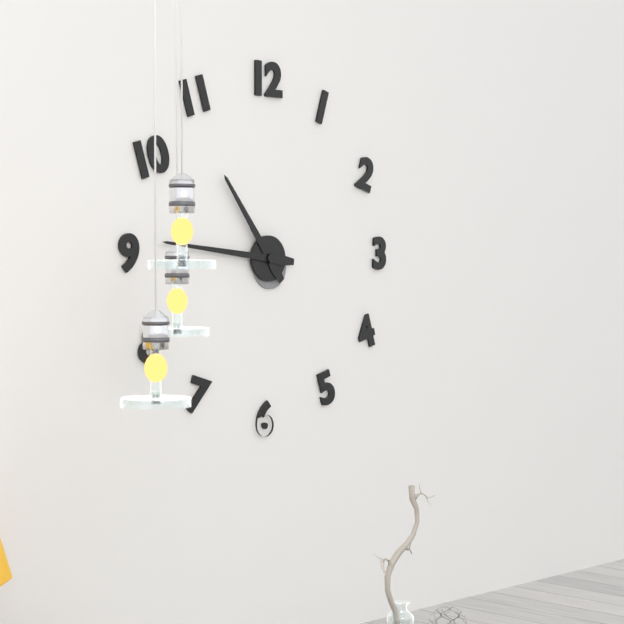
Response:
{"hour": 10, "minute": 46}
